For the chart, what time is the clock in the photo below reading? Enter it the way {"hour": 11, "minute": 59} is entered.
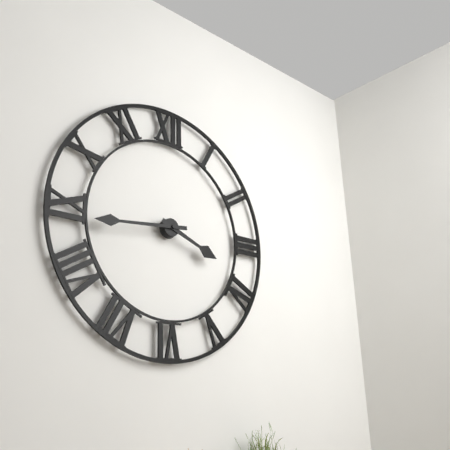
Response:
{"hour": 3, "minute": 44}
